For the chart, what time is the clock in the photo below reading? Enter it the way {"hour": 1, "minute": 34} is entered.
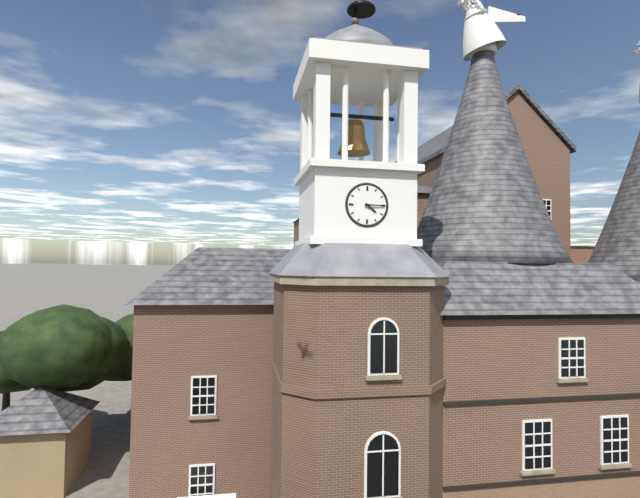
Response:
{"hour": 4, "minute": 15}
